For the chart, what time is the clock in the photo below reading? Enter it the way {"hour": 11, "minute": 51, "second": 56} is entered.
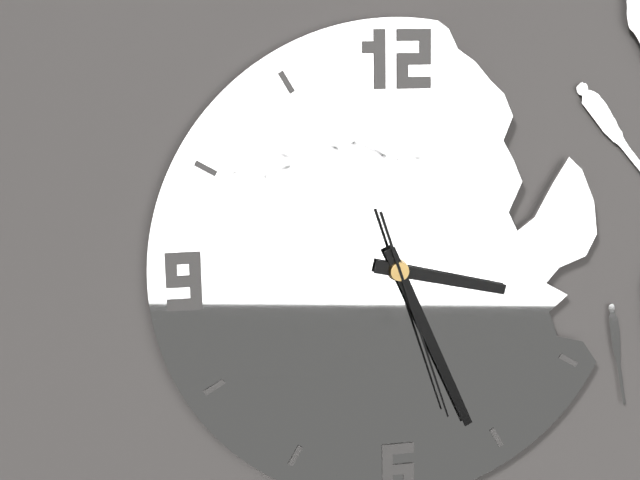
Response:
{"hour": 3, "minute": 26, "second": 27}
